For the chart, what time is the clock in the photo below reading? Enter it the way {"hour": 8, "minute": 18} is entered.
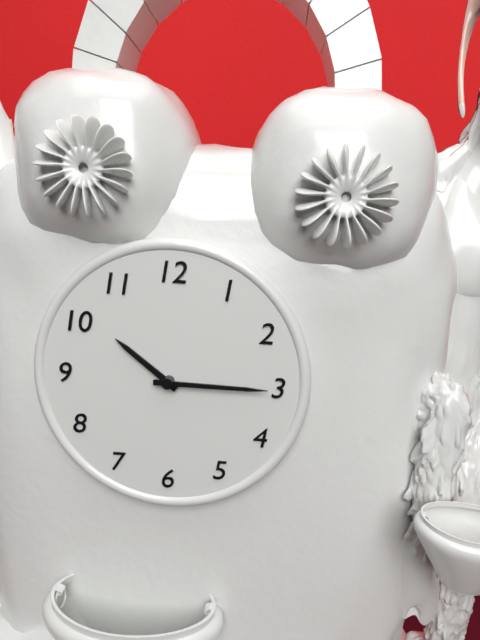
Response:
{"hour": 10, "minute": 15}
